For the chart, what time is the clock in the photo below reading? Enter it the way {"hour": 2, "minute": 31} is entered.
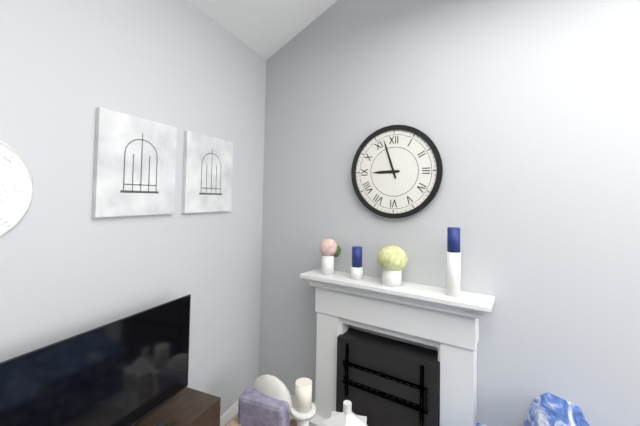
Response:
{"hour": 8, "minute": 57}
